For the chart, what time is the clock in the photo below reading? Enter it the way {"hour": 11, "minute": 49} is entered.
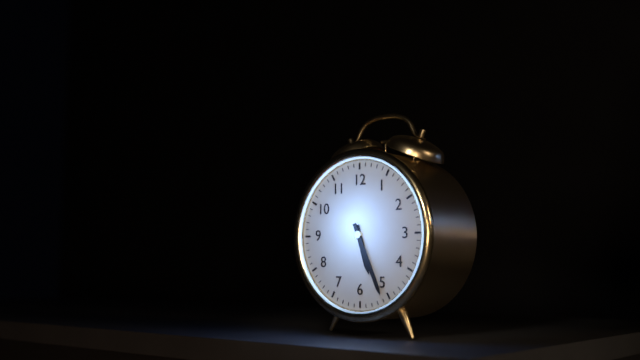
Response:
{"hour": 5, "minute": 26}
